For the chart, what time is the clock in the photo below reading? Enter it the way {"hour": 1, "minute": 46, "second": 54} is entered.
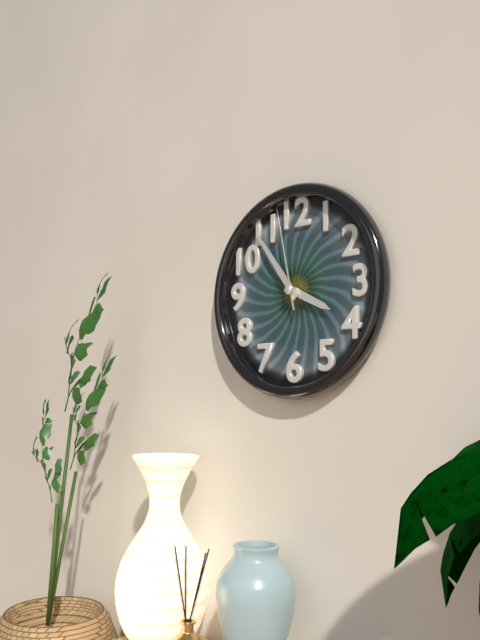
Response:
{"hour": 3, "minute": 54, "second": 58}
